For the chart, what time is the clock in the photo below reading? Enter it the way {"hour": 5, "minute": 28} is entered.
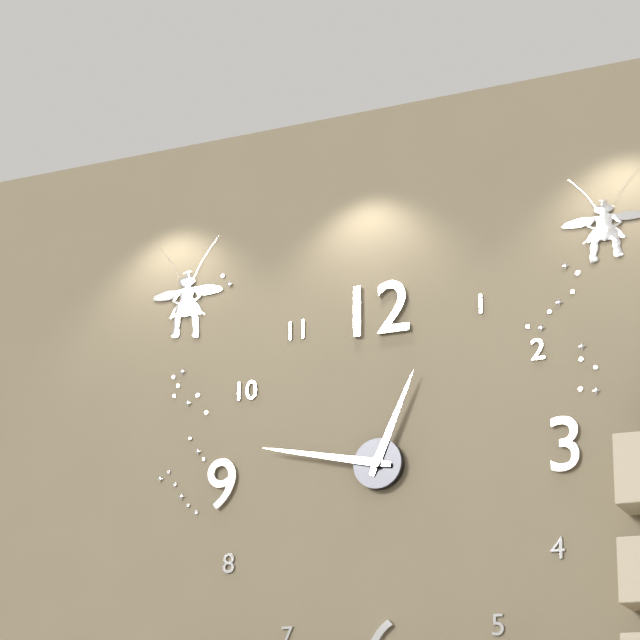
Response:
{"hour": 12, "minute": 47}
